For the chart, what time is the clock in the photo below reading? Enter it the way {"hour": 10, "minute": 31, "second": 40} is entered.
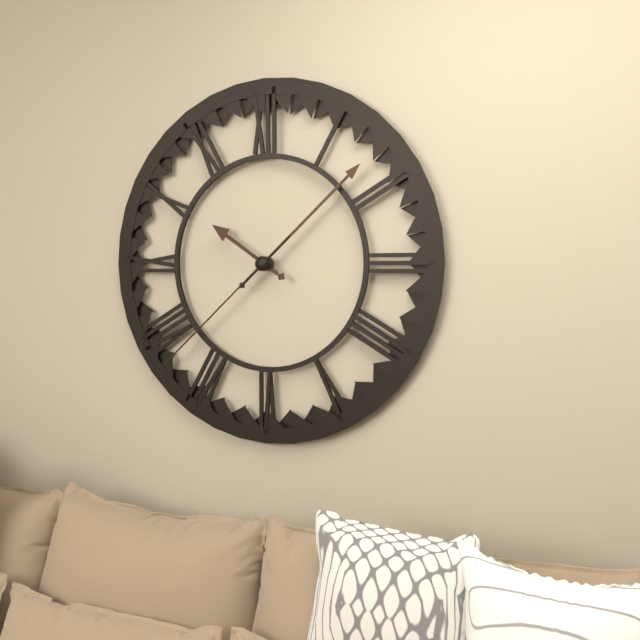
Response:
{"hour": 10, "minute": 8, "second": 38}
